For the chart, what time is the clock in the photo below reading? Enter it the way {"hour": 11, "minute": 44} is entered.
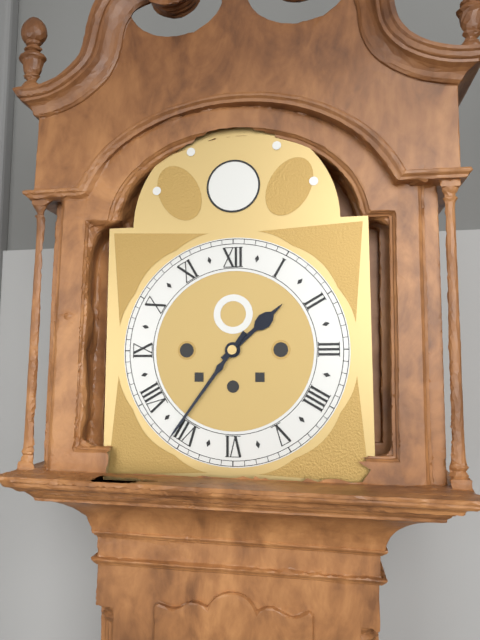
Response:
{"hour": 1, "minute": 36}
